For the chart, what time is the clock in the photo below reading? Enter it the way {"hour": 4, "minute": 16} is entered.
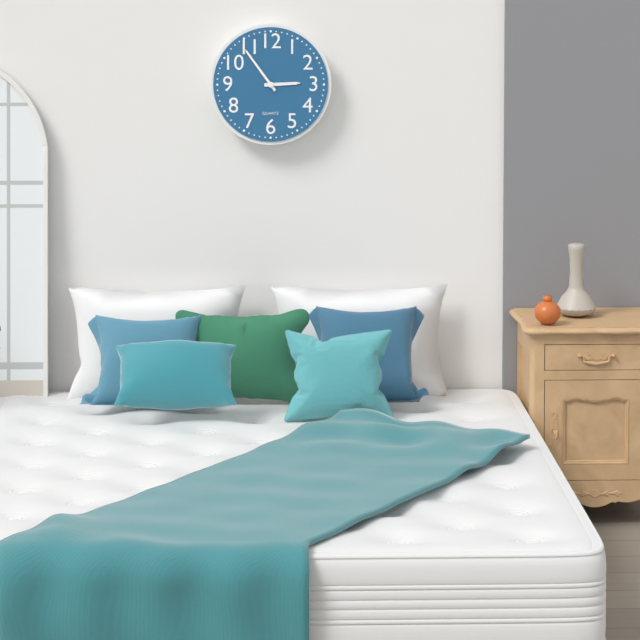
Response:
{"hour": 2, "minute": 54}
